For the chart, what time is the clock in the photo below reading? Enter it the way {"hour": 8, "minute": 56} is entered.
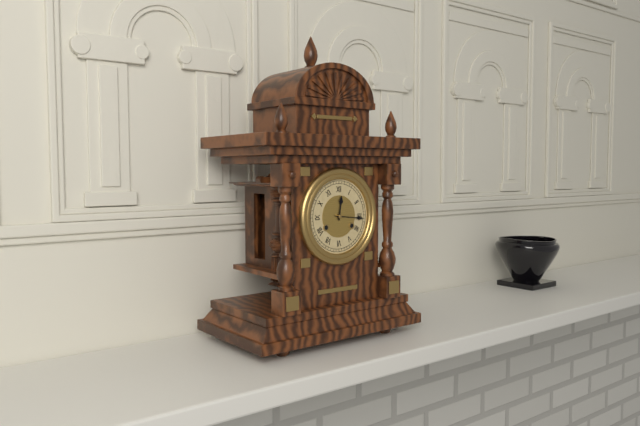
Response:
{"hour": 12, "minute": 16}
